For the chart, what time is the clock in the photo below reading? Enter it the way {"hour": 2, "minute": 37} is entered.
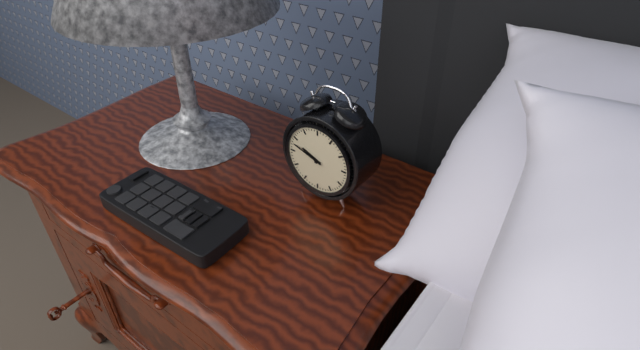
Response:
{"hour": 9, "minute": 48}
